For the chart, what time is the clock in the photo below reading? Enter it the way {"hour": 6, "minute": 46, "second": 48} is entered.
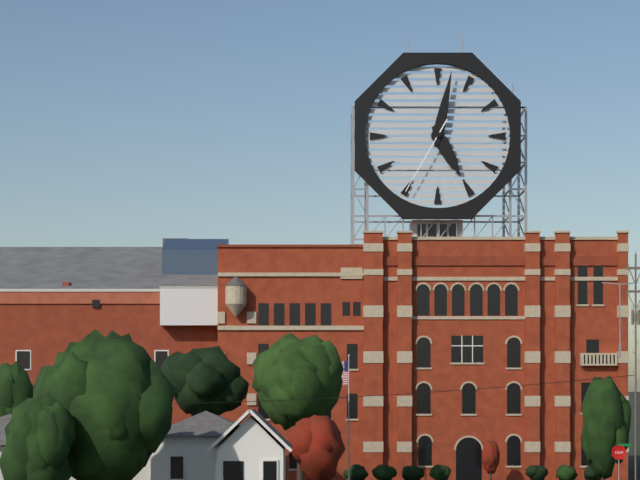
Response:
{"hour": 5, "minute": 2, "second": 35}
